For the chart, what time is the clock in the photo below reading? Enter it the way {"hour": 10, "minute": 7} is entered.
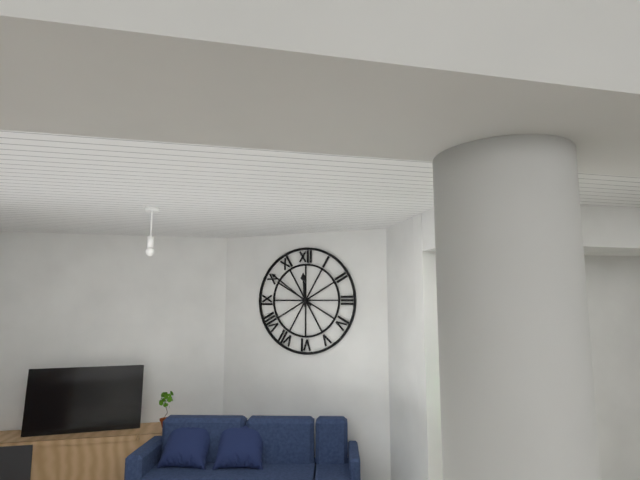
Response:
{"hour": 11, "minute": 51}
